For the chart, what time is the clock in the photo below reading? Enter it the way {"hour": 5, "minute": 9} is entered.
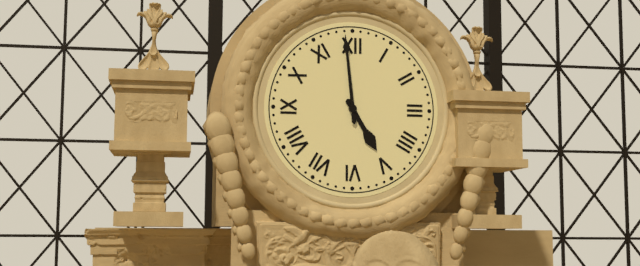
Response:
{"hour": 4, "minute": 59}
